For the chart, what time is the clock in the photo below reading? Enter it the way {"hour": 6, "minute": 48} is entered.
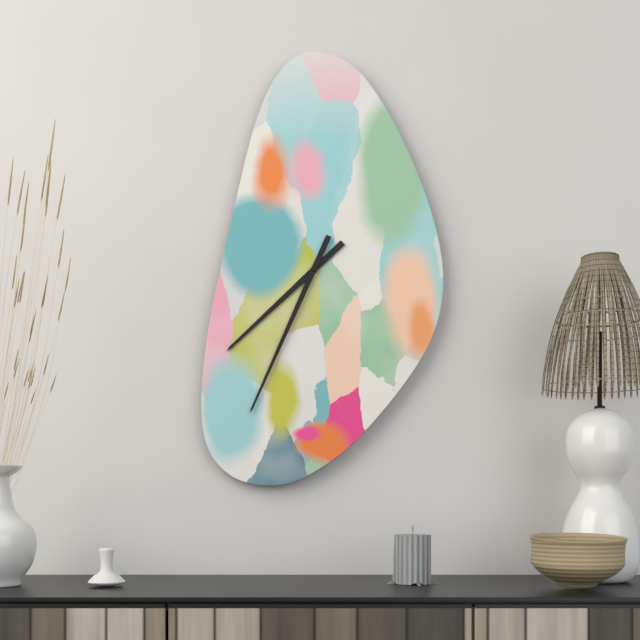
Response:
{"hour": 7, "minute": 34}
